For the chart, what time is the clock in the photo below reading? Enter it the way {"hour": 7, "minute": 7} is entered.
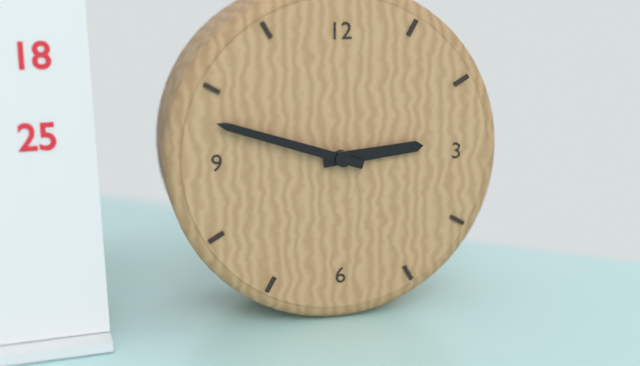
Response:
{"hour": 2, "minute": 48}
